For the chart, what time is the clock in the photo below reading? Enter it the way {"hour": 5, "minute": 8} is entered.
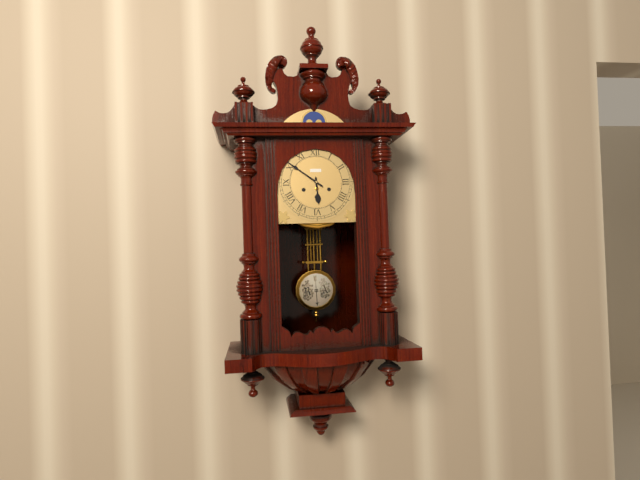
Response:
{"hour": 5, "minute": 51}
